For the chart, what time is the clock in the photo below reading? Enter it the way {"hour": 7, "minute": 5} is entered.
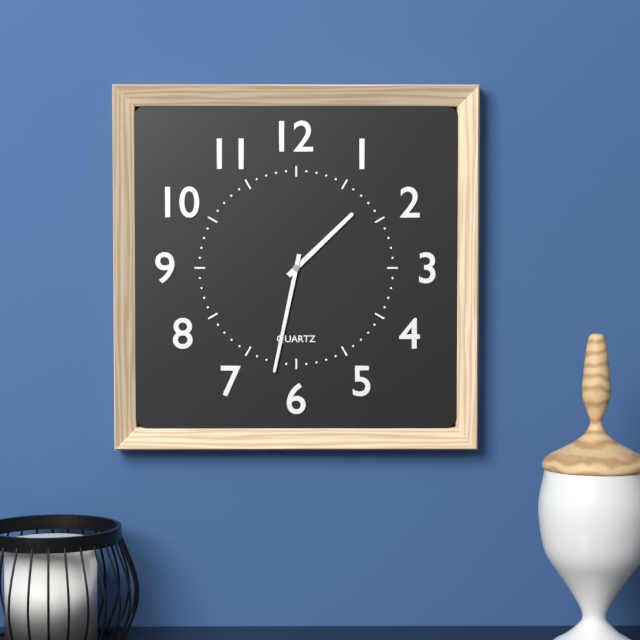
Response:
{"hour": 1, "minute": 32}
